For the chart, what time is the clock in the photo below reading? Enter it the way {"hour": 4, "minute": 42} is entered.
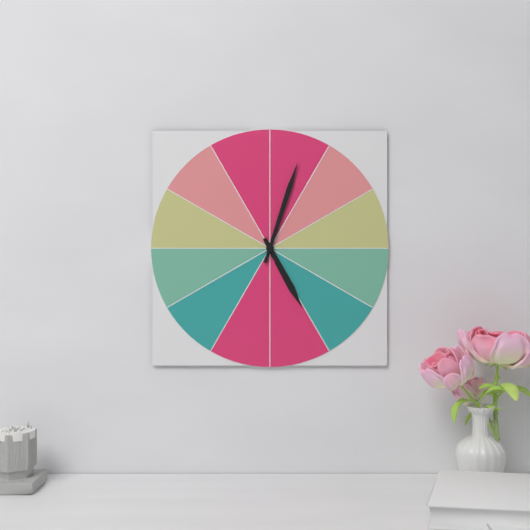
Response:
{"hour": 5, "minute": 3}
